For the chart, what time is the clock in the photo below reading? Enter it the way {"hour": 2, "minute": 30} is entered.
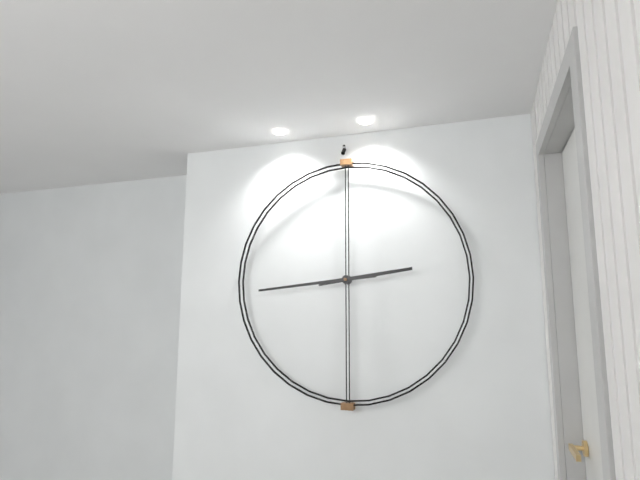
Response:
{"hour": 2, "minute": 44}
